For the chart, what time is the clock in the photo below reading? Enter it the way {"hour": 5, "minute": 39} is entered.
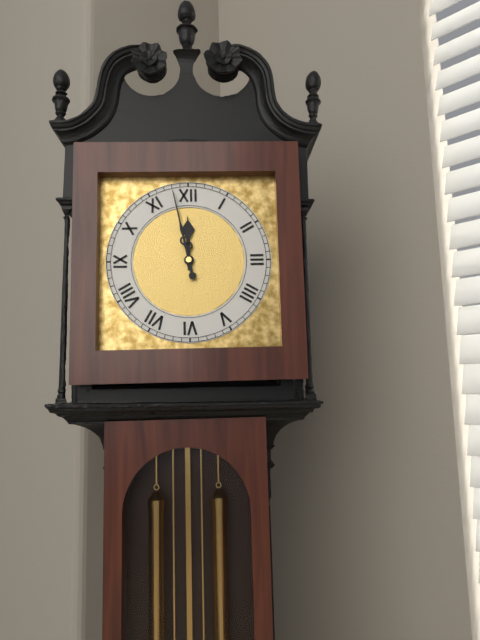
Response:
{"hour": 11, "minute": 58}
